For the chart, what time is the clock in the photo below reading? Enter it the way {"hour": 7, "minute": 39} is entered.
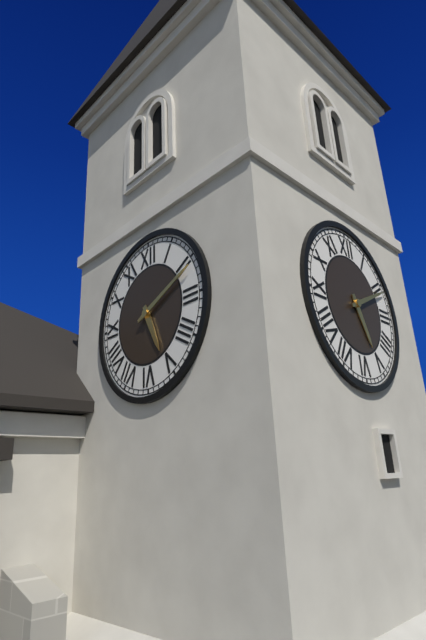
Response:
{"hour": 5, "minute": 11}
